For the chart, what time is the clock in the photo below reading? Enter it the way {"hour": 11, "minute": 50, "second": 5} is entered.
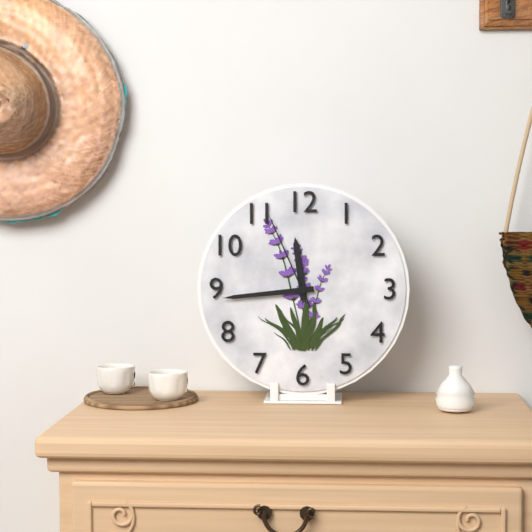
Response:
{"hour": 11, "minute": 44, "second": 56}
